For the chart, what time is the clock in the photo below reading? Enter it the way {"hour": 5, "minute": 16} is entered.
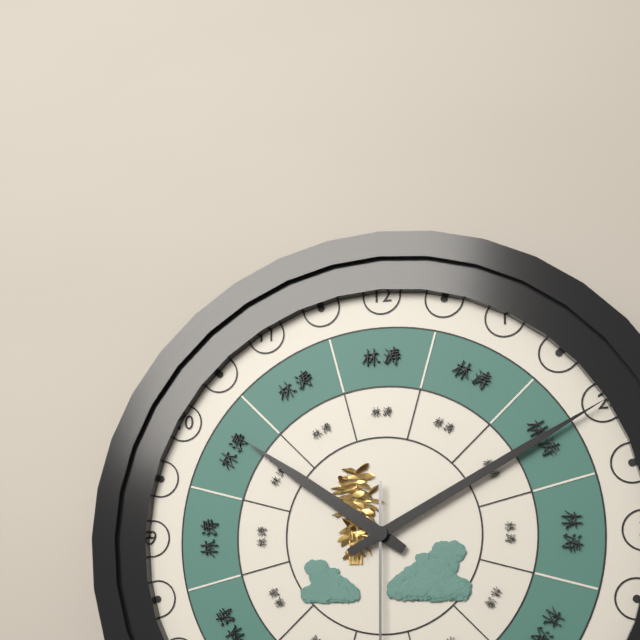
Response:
{"hour": 10, "minute": 10}
